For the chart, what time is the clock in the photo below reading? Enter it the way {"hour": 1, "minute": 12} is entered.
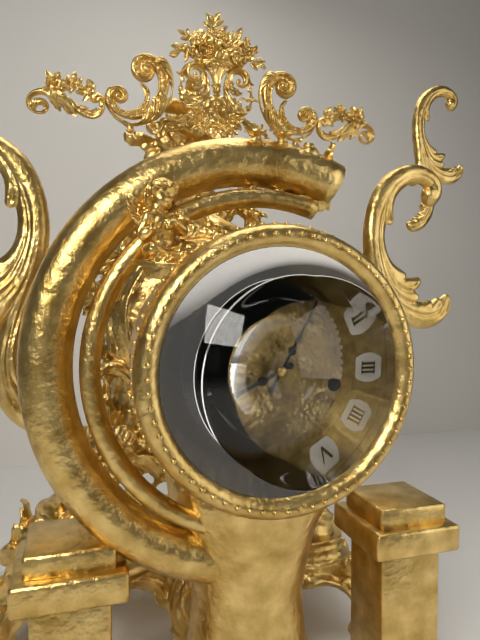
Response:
{"hour": 8, "minute": 5}
